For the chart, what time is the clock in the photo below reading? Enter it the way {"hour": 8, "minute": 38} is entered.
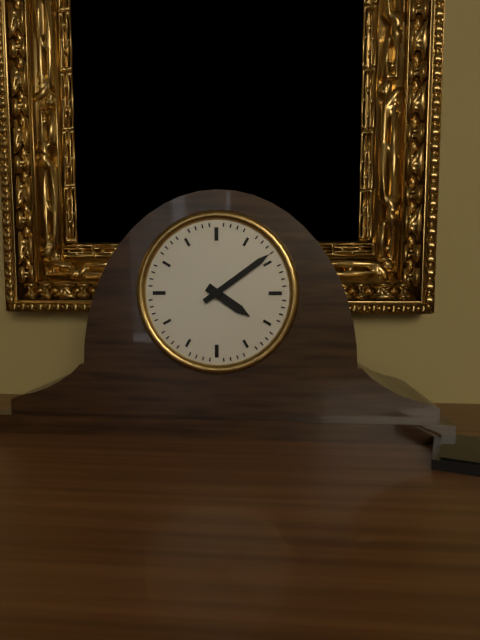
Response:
{"hour": 4, "minute": 9}
